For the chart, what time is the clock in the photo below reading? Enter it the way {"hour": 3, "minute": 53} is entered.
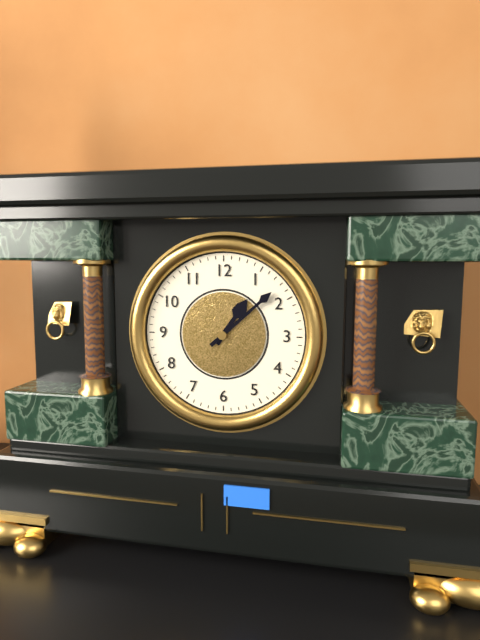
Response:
{"hour": 1, "minute": 8}
